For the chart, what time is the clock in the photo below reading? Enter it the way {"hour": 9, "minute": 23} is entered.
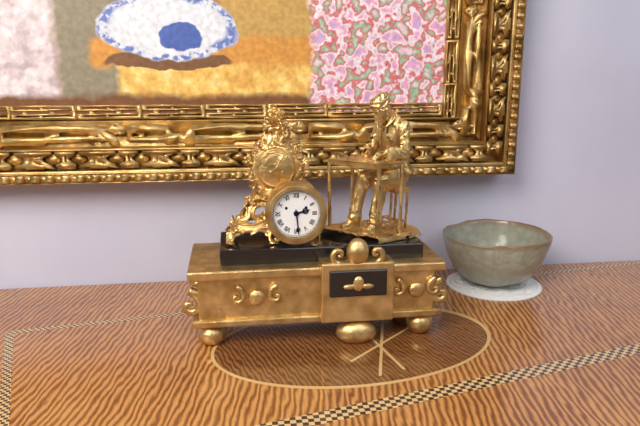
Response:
{"hour": 2, "minute": 29}
